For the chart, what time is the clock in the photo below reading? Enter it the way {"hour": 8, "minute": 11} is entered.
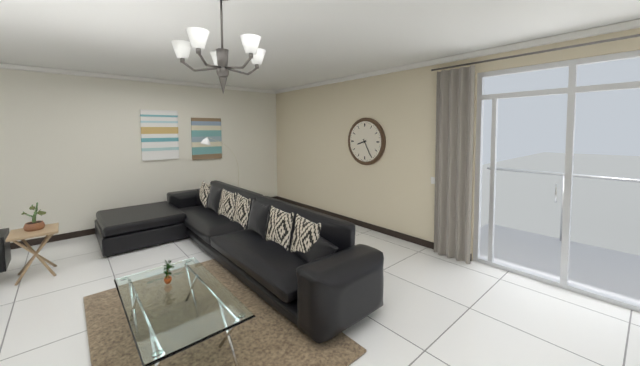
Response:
{"hour": 8, "minute": 25}
